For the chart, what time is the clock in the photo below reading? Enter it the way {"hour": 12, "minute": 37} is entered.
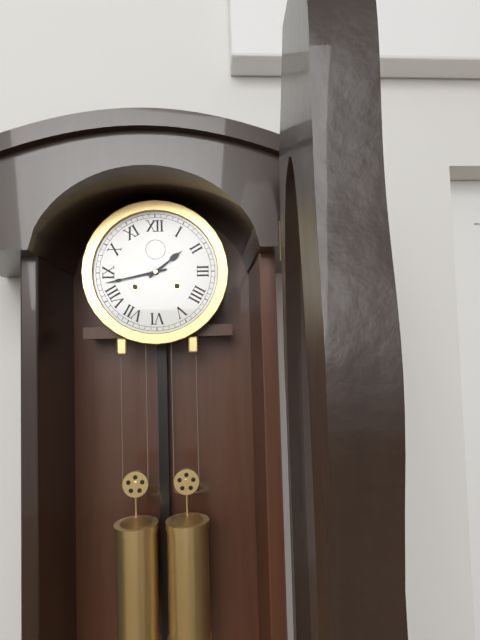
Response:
{"hour": 1, "minute": 43}
